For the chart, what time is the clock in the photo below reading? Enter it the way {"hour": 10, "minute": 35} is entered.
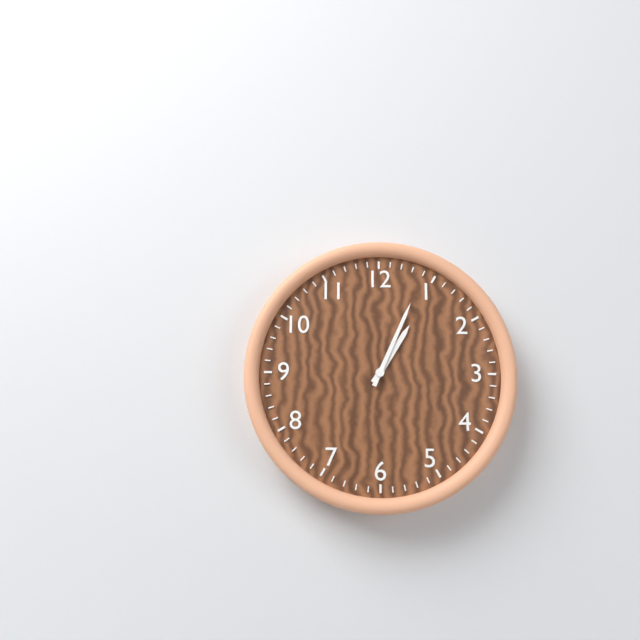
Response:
{"hour": 1, "minute": 4}
